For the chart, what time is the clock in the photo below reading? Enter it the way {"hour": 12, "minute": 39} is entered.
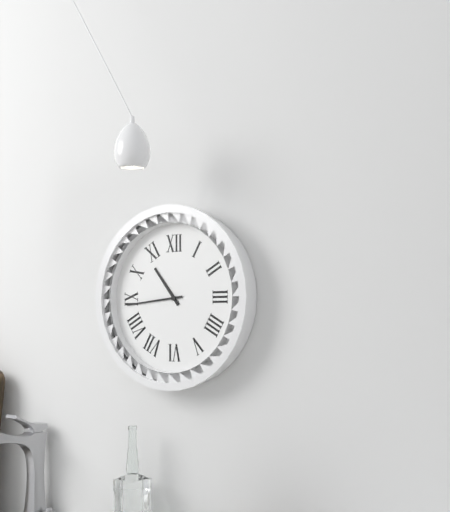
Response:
{"hour": 10, "minute": 44}
